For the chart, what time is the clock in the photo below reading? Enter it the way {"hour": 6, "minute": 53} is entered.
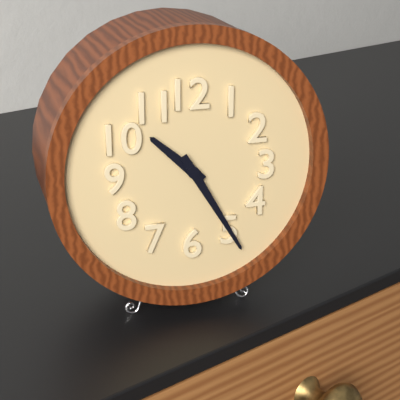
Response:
{"hour": 10, "minute": 25}
